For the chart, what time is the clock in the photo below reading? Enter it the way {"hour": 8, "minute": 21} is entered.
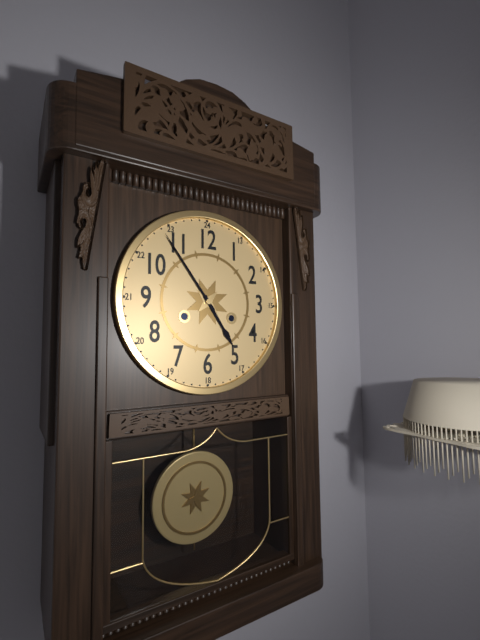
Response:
{"hour": 4, "minute": 54}
